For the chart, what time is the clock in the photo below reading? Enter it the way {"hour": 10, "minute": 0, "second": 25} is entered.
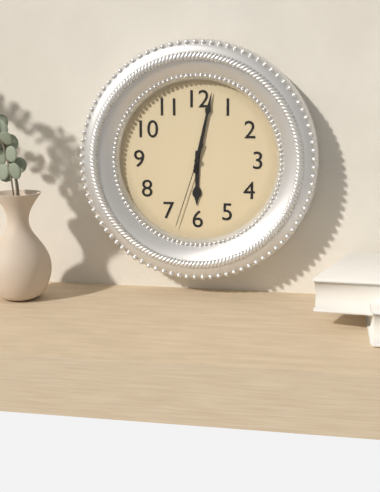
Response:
{"hour": 6, "minute": 2, "second": 33}
